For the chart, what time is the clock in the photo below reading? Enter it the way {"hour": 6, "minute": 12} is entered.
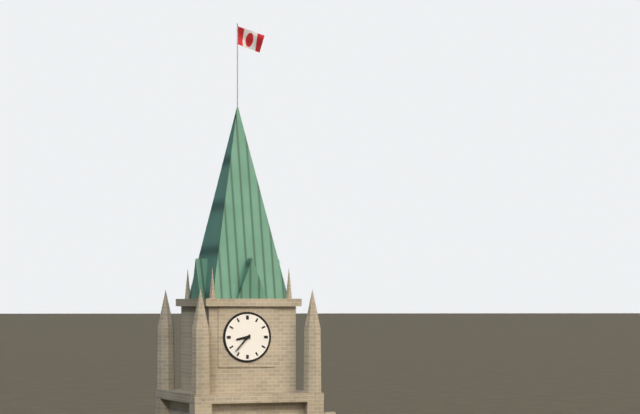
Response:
{"hour": 8, "minute": 37}
